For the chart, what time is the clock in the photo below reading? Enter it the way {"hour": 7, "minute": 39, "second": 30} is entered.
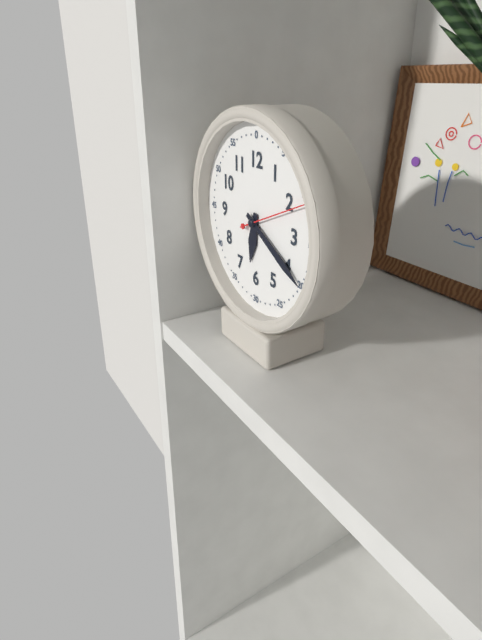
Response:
{"hour": 6, "minute": 20, "second": 11}
